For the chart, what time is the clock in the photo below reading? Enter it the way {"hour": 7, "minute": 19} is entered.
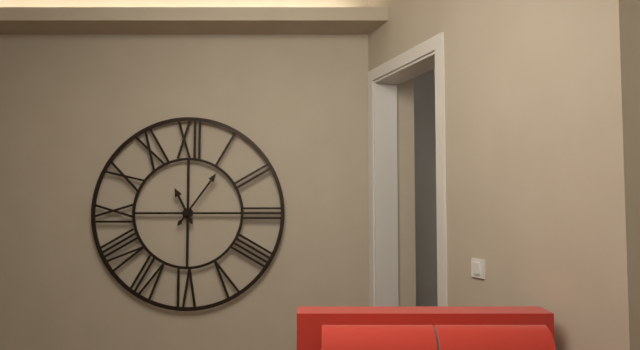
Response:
{"hour": 11, "minute": 6}
